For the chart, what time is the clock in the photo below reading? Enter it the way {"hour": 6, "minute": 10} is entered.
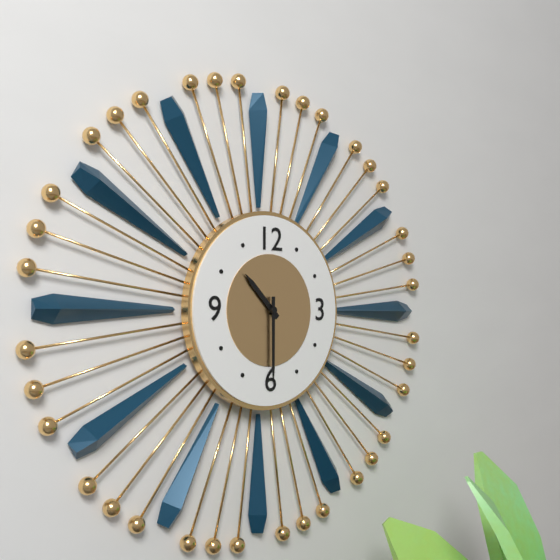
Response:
{"hour": 10, "minute": 30}
